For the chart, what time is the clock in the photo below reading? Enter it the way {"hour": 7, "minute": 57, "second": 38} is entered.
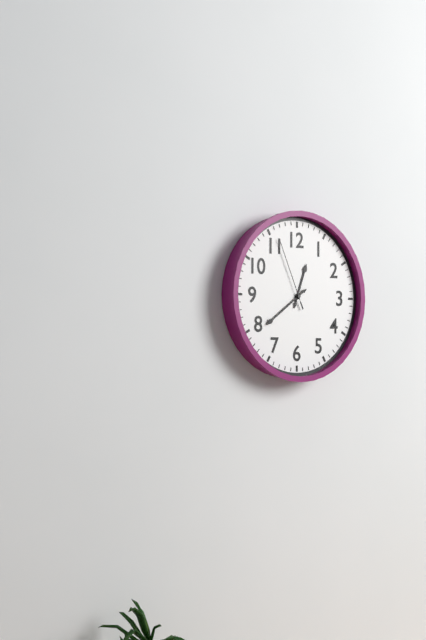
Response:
{"hour": 12, "minute": 39, "second": 56}
